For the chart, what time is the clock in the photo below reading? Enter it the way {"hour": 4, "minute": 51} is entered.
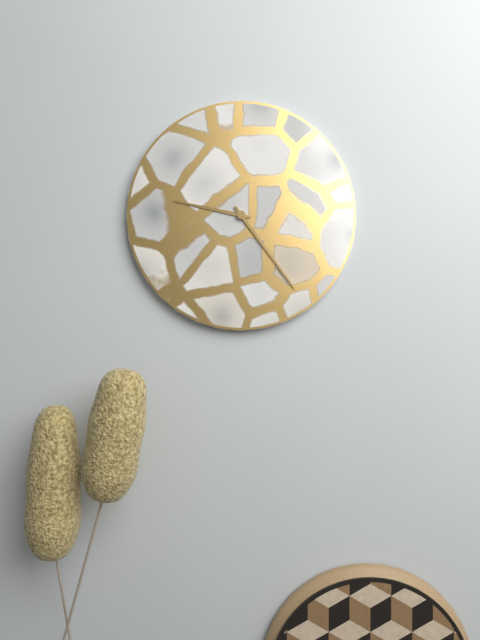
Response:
{"hour": 9, "minute": 24}
